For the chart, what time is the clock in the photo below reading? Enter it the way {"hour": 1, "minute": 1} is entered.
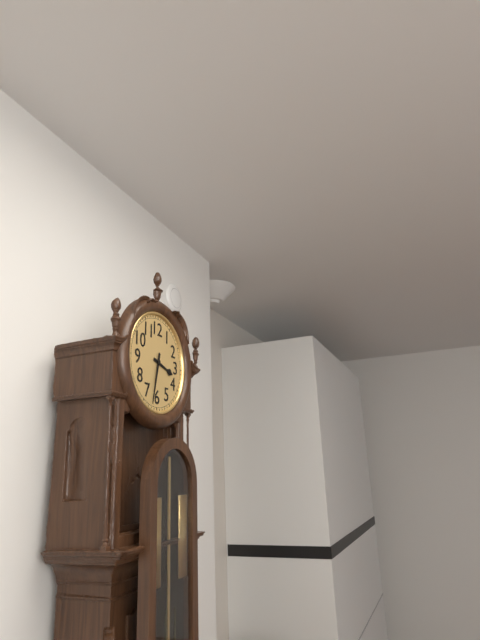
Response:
{"hour": 3, "minute": 32}
